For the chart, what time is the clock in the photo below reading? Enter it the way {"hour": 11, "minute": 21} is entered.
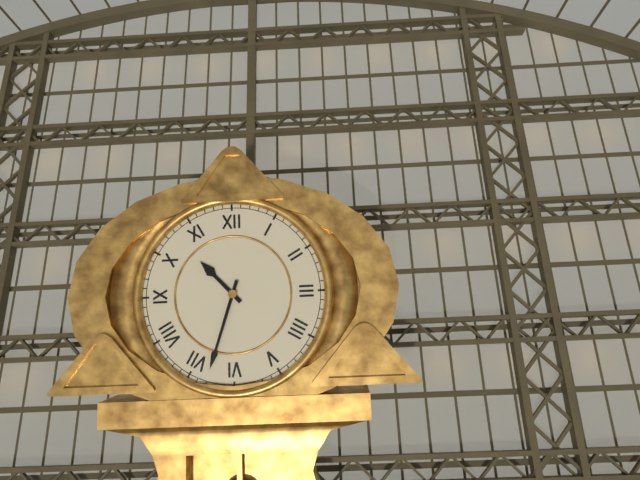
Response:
{"hour": 10, "minute": 33}
